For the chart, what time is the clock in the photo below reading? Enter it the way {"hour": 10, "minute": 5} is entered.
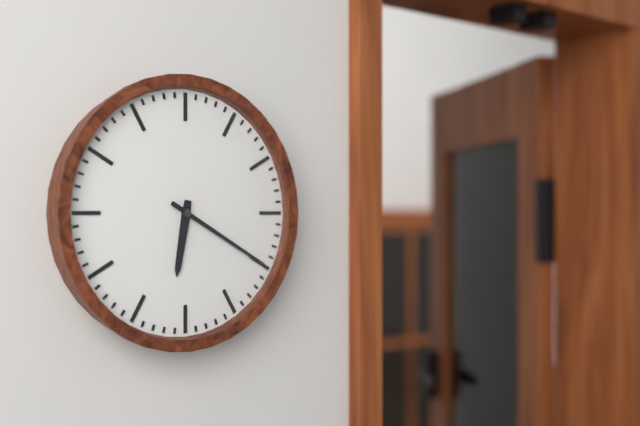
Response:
{"hour": 6, "minute": 20}
